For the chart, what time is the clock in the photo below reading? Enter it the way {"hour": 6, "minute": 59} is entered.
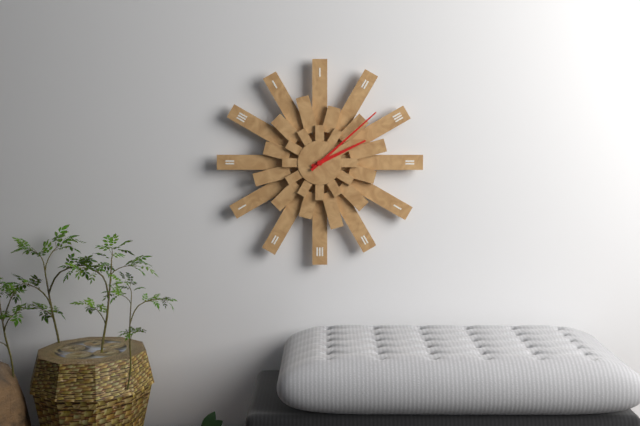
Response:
{"hour": 2, "minute": 8}
